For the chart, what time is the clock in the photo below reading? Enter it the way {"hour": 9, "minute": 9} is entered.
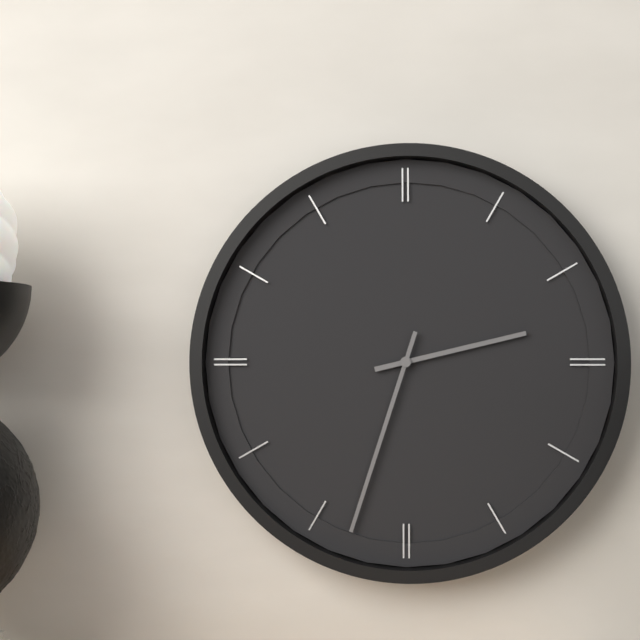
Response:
{"hour": 2, "minute": 33}
